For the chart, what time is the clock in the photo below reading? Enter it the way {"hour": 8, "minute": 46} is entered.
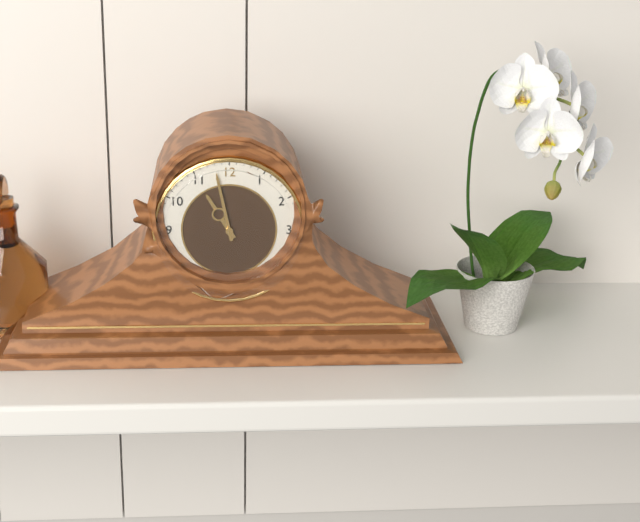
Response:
{"hour": 10, "minute": 58}
